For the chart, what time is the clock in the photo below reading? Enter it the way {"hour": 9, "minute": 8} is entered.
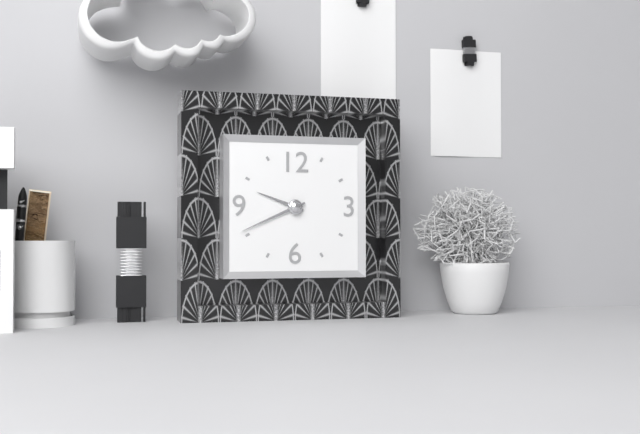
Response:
{"hour": 9, "minute": 41}
